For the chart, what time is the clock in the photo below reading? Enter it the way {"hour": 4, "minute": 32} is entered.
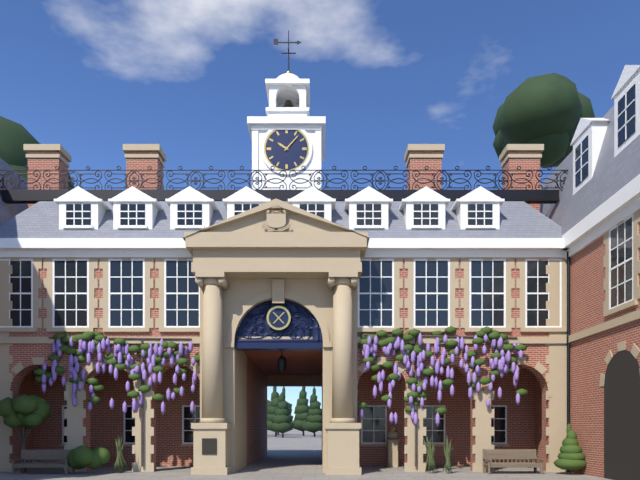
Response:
{"hour": 10, "minute": 7}
